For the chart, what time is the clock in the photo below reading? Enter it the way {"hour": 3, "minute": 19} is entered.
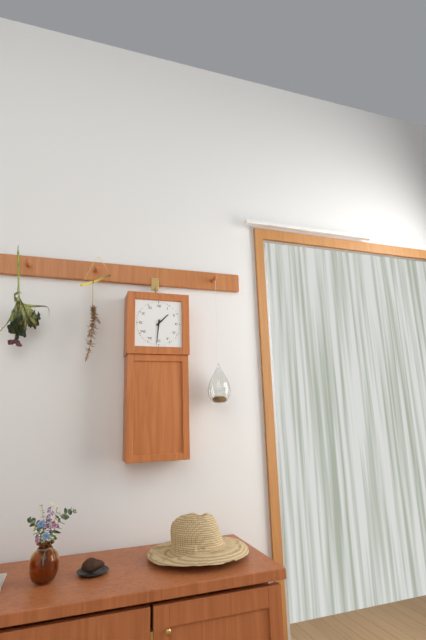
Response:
{"hour": 1, "minute": 31}
